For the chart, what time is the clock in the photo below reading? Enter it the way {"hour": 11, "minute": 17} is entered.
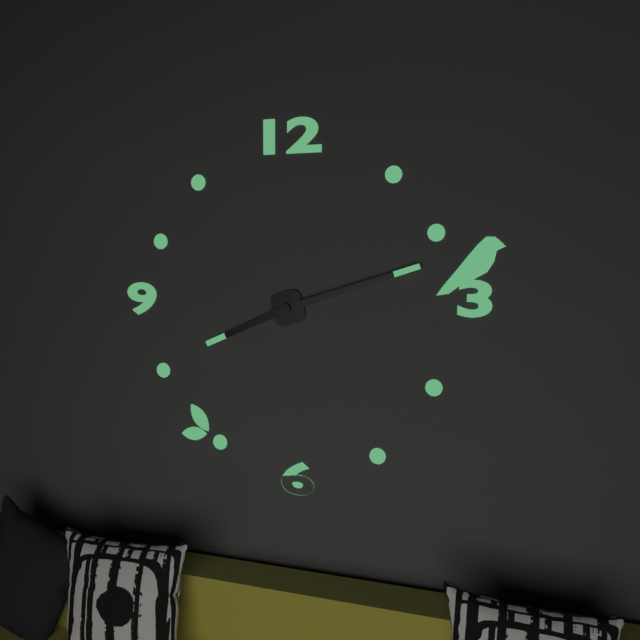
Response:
{"hour": 8, "minute": 12}
